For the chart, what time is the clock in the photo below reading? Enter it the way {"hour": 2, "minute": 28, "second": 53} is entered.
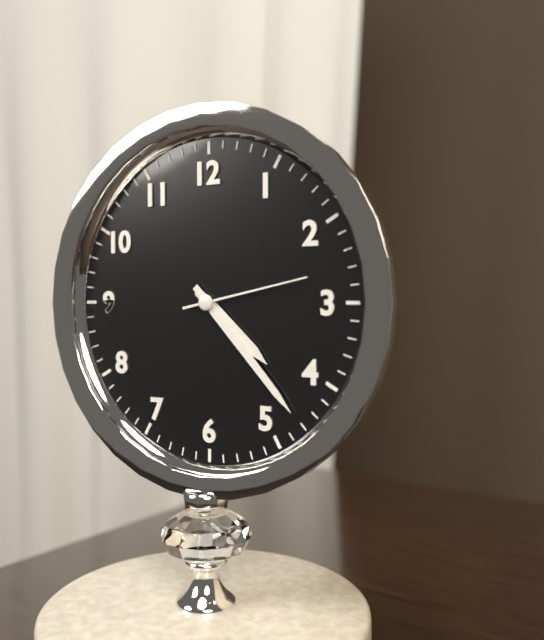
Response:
{"hour": 4, "minute": 23, "second": 13}
